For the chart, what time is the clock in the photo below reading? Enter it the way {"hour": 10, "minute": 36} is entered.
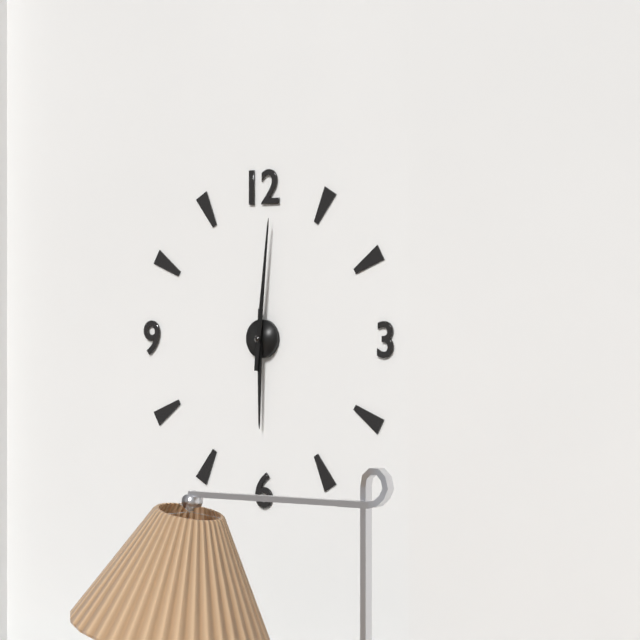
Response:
{"hour": 6, "minute": 1}
